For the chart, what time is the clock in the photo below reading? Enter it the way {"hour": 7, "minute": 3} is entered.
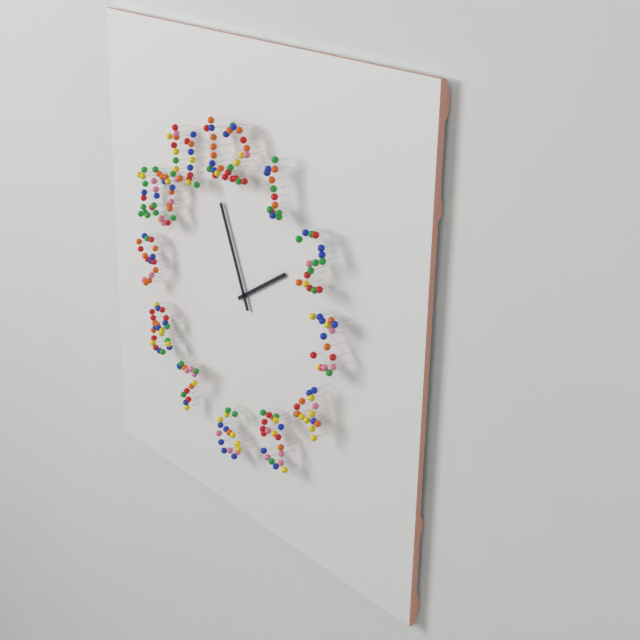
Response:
{"hour": 1, "minute": 56}
